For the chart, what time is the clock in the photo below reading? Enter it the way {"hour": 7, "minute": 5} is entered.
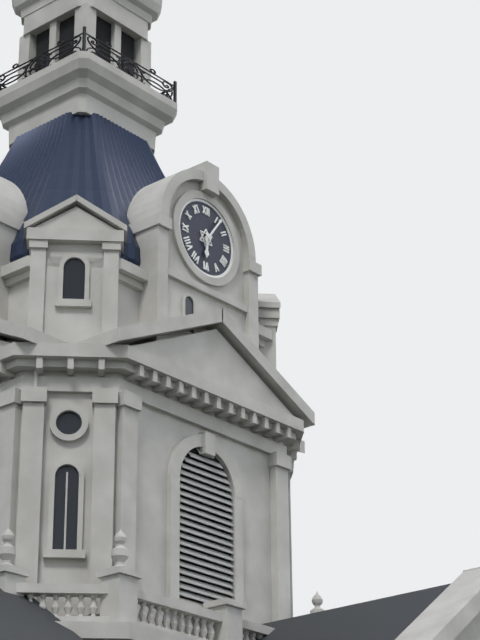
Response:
{"hour": 6, "minute": 6}
